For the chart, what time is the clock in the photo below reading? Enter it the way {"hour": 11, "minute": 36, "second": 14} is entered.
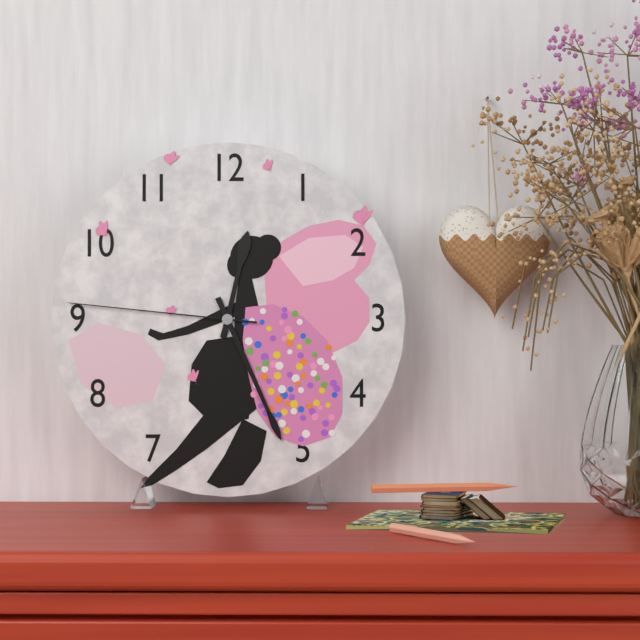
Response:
{"hour": 12, "minute": 26, "second": 46}
